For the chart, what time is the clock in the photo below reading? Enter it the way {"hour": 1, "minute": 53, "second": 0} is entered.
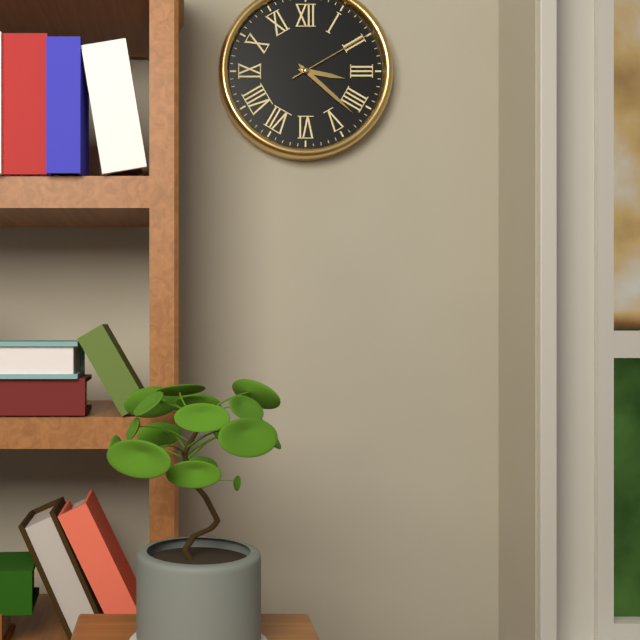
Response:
{"hour": 3, "minute": 22, "second": 10}
